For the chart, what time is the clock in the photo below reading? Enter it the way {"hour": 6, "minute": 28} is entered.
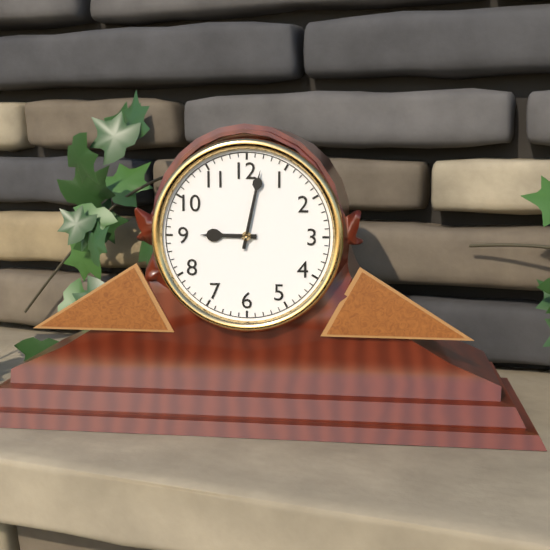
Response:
{"hour": 9, "minute": 2}
